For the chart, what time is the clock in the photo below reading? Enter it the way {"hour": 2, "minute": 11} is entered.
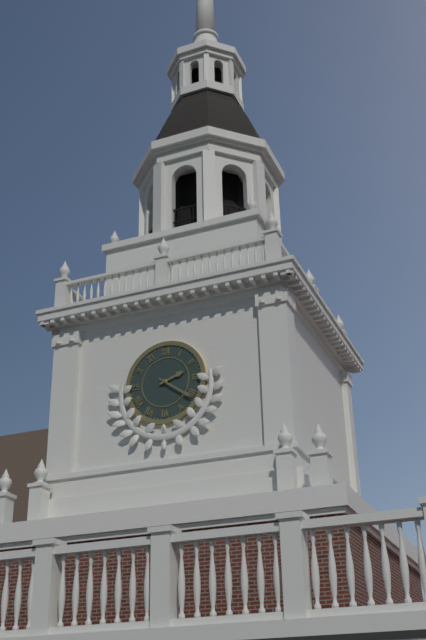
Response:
{"hour": 2, "minute": 21}
